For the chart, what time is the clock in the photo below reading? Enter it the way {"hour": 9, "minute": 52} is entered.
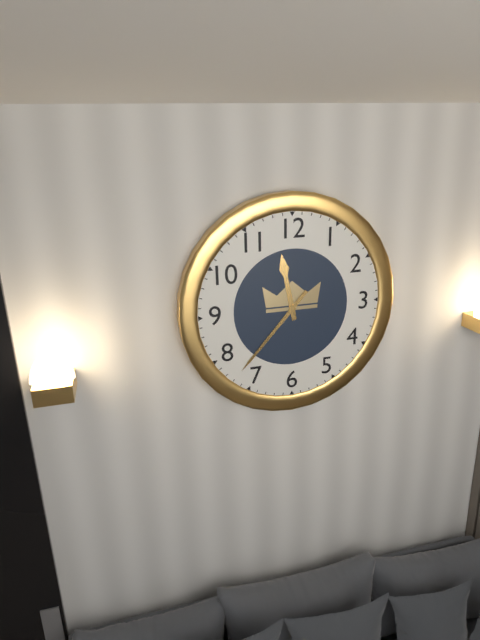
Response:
{"hour": 11, "minute": 37}
